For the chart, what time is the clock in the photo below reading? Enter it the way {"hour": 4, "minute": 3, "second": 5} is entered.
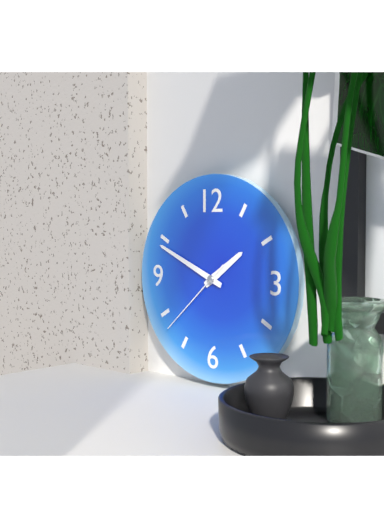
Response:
{"hour": 1, "minute": 49, "second": 38}
